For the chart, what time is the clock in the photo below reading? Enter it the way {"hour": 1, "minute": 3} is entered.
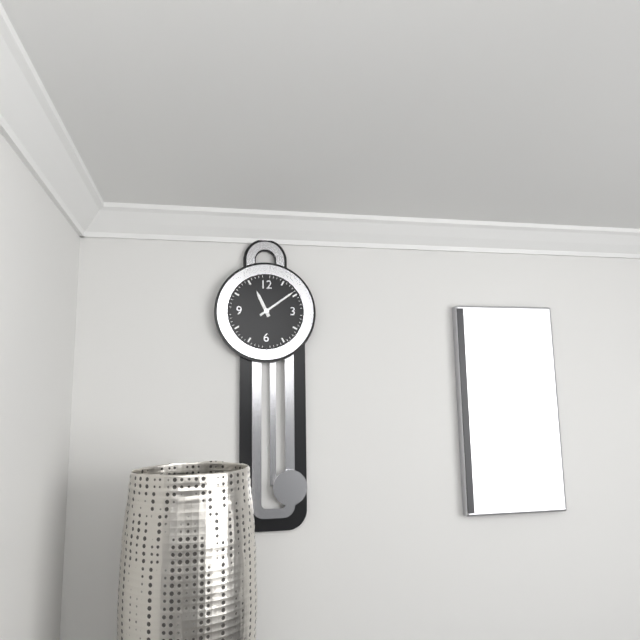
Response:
{"hour": 11, "minute": 9}
